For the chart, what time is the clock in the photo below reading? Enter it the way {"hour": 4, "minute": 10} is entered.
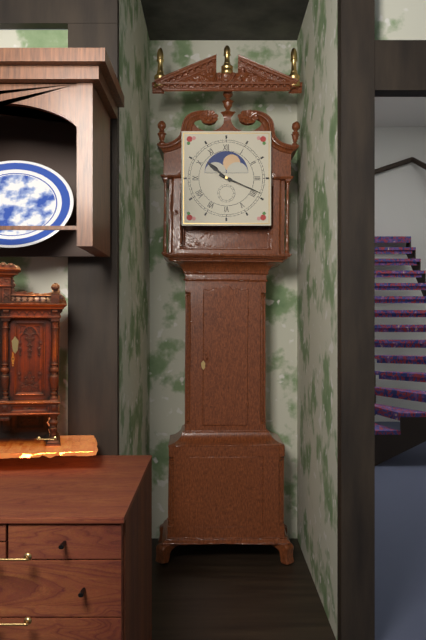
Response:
{"hour": 10, "minute": 19}
